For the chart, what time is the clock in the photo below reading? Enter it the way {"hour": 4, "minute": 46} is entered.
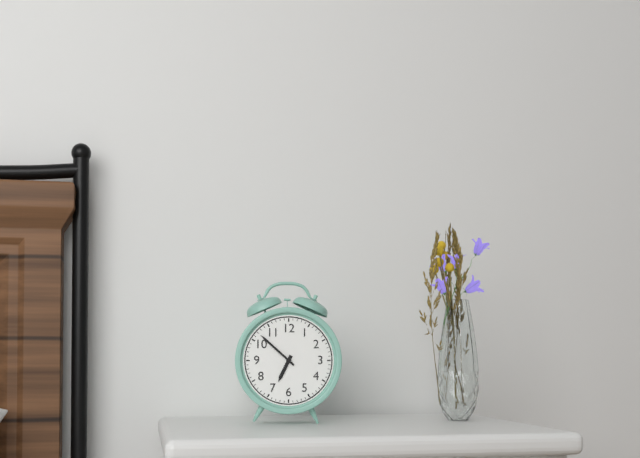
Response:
{"hour": 6, "minute": 52}
